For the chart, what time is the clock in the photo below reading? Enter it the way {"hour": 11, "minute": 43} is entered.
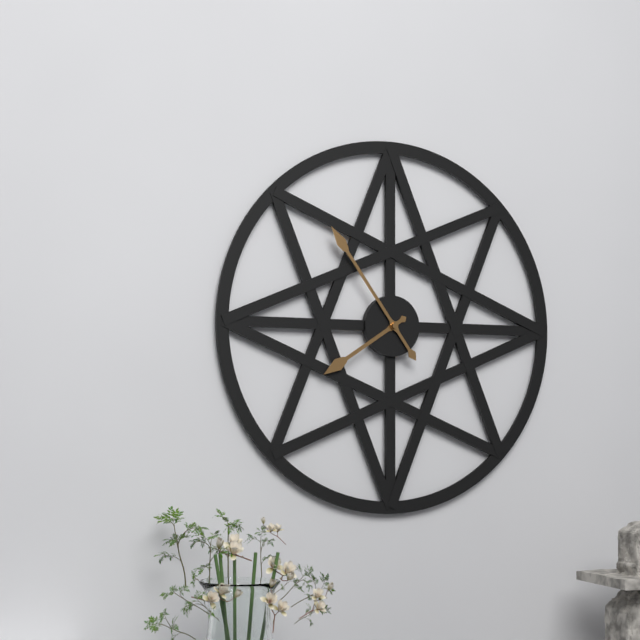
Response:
{"hour": 7, "minute": 54}
